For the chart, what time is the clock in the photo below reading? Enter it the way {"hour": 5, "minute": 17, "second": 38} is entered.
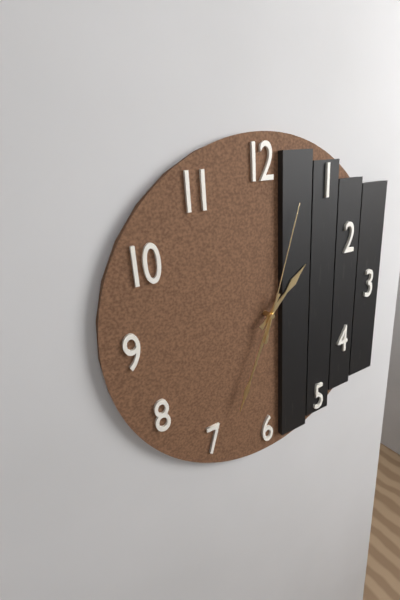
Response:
{"hour": 1, "minute": 34, "second": 3}
